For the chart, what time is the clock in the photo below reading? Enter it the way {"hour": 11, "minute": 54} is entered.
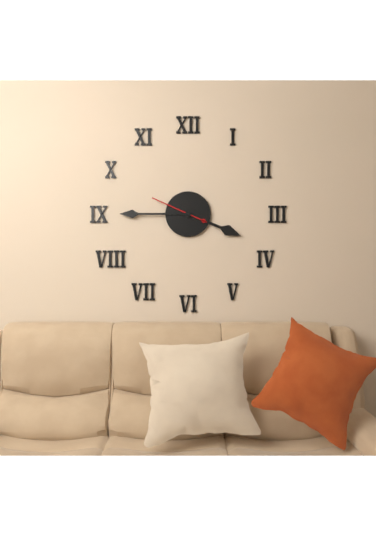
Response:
{"hour": 3, "minute": 45}
